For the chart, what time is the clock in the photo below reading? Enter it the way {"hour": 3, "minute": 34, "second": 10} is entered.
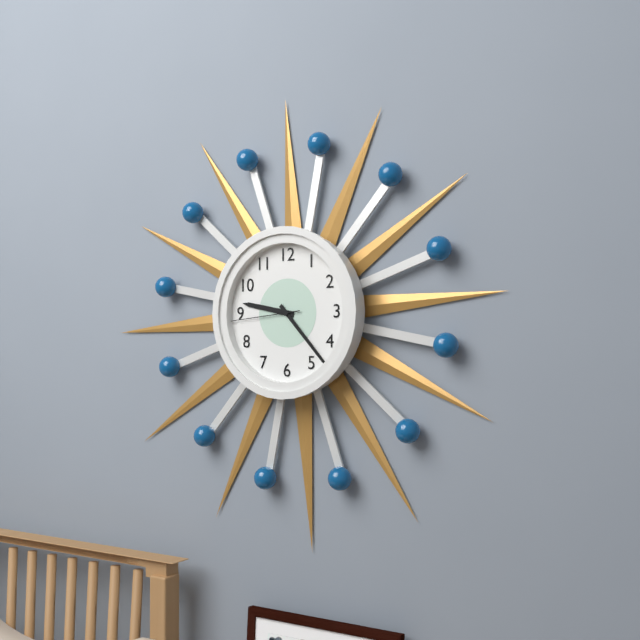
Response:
{"hour": 9, "minute": 23, "second": 44}
